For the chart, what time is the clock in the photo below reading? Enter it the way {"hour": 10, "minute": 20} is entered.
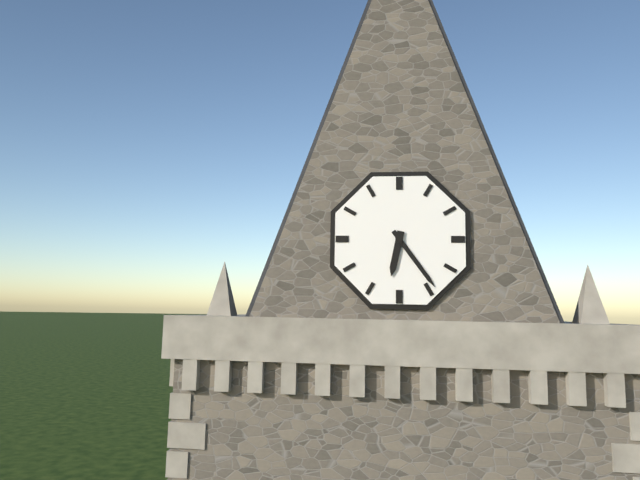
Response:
{"hour": 6, "minute": 24}
